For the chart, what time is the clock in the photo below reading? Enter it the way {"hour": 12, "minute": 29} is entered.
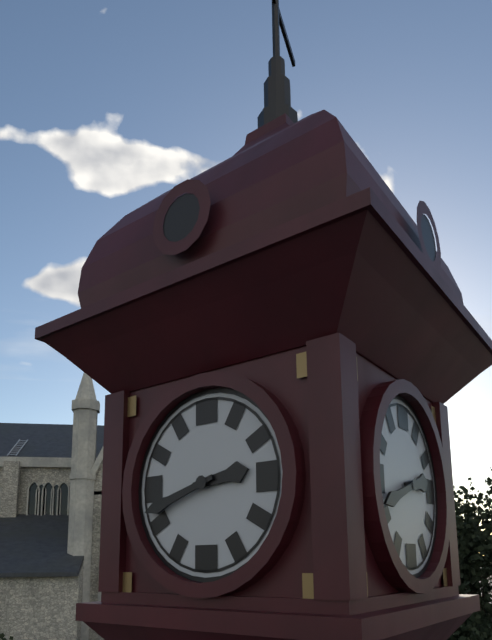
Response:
{"hour": 2, "minute": 42}
